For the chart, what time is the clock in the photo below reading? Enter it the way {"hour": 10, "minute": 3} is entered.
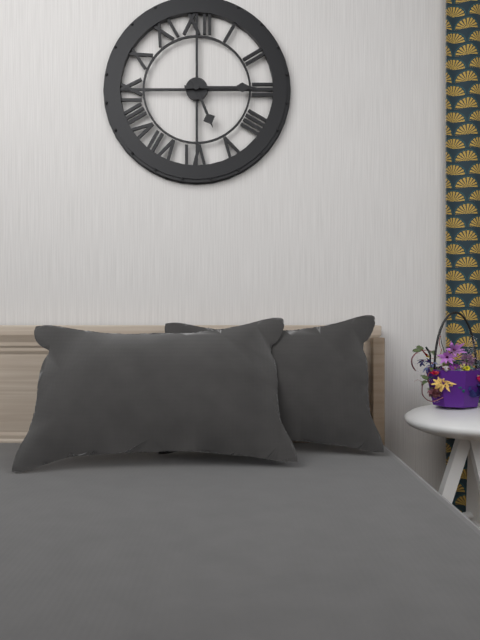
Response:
{"hour": 5, "minute": 15}
